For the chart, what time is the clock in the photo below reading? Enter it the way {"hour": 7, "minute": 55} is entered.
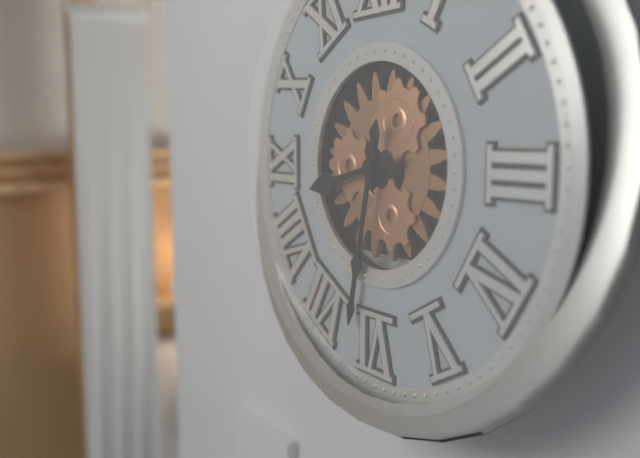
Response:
{"hour": 8, "minute": 32}
